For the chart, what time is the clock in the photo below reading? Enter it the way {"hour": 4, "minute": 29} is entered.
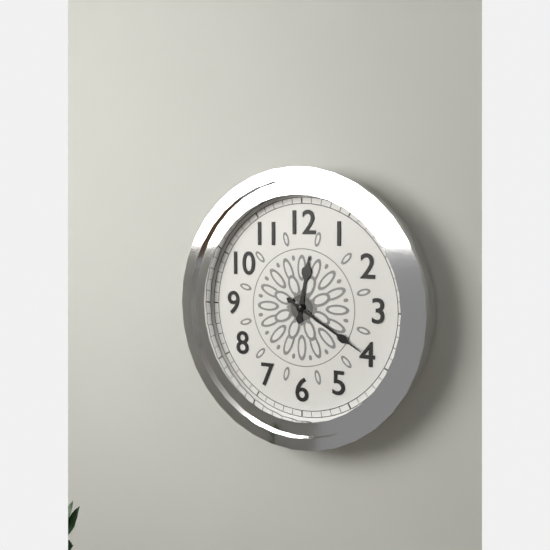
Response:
{"hour": 12, "minute": 20}
